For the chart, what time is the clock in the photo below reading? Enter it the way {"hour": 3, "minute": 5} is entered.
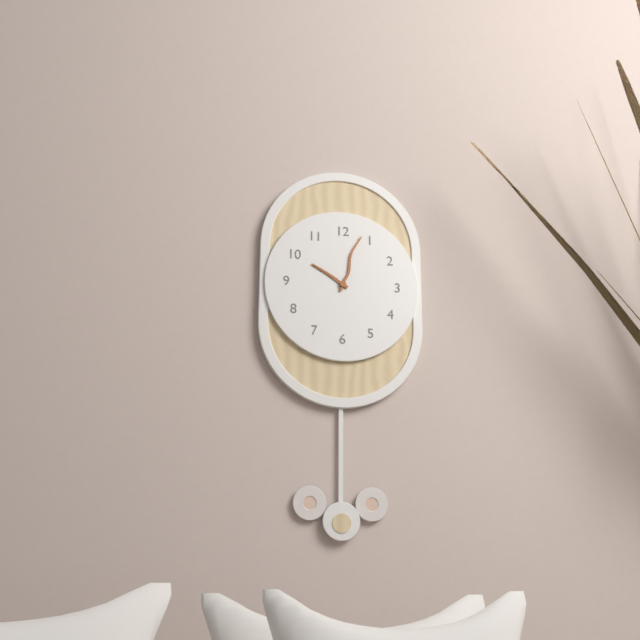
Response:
{"hour": 10, "minute": 3}
